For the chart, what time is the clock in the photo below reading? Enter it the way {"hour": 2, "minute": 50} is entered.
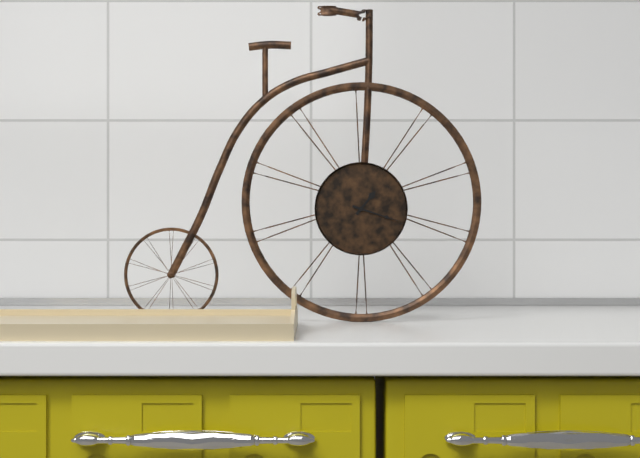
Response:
{"hour": 1, "minute": 18}
